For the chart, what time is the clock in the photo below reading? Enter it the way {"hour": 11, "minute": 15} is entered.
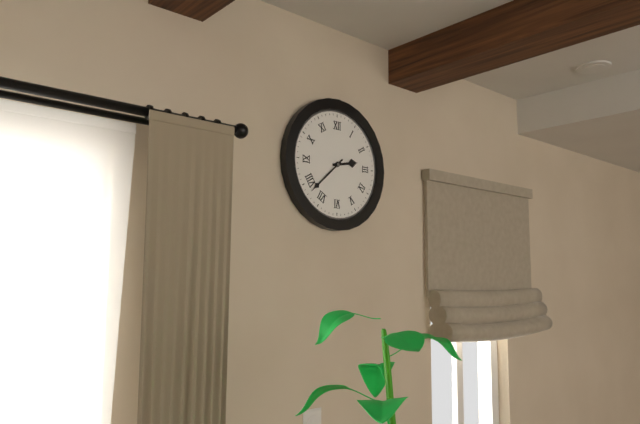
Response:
{"hour": 2, "minute": 38}
